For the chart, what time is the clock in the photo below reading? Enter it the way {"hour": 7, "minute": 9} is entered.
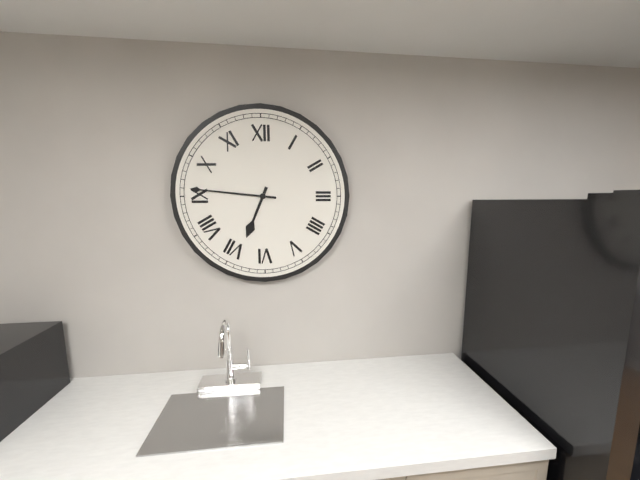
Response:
{"hour": 6, "minute": 46}
